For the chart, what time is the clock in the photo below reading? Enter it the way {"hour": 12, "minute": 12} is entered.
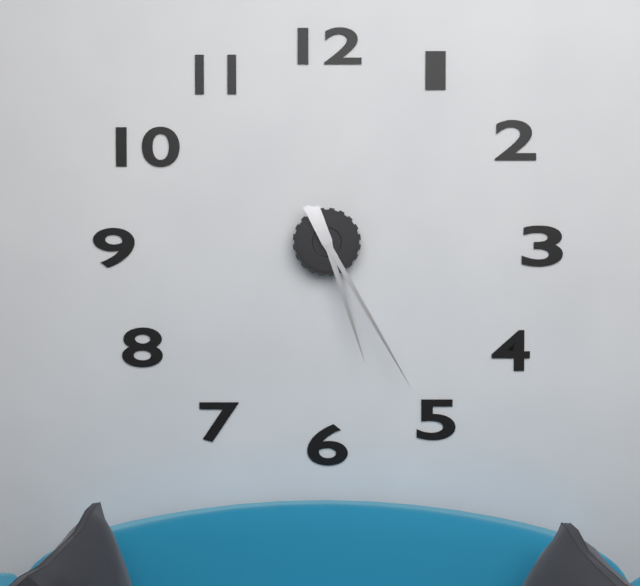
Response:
{"hour": 5, "minute": 25}
